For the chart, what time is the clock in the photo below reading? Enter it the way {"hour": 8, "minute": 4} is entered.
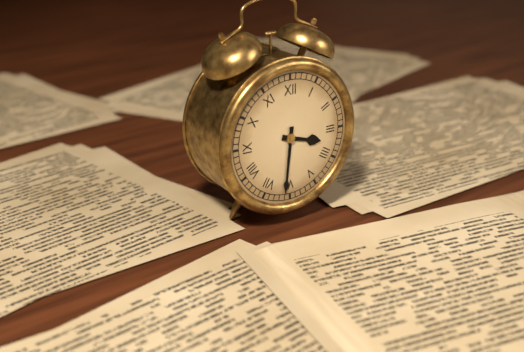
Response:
{"hour": 3, "minute": 31}
